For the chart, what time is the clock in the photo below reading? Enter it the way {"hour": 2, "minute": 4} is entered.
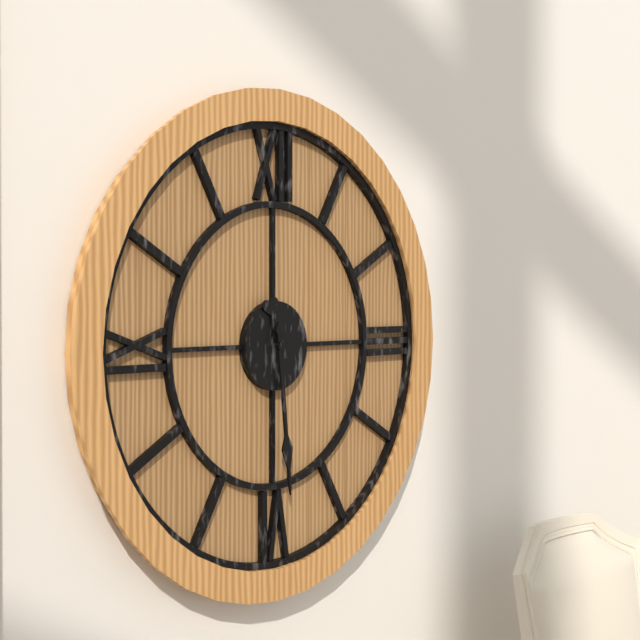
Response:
{"hour": 11, "minute": 29}
